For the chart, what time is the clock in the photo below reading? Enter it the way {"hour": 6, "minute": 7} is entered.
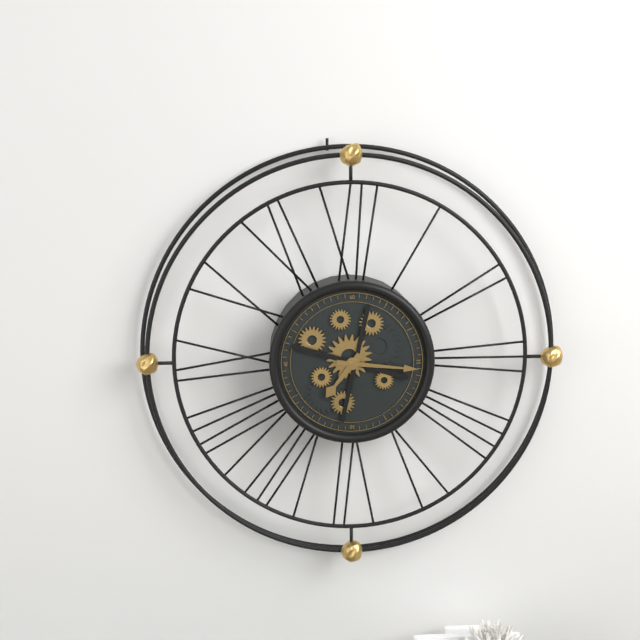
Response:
{"hour": 7, "minute": 16}
